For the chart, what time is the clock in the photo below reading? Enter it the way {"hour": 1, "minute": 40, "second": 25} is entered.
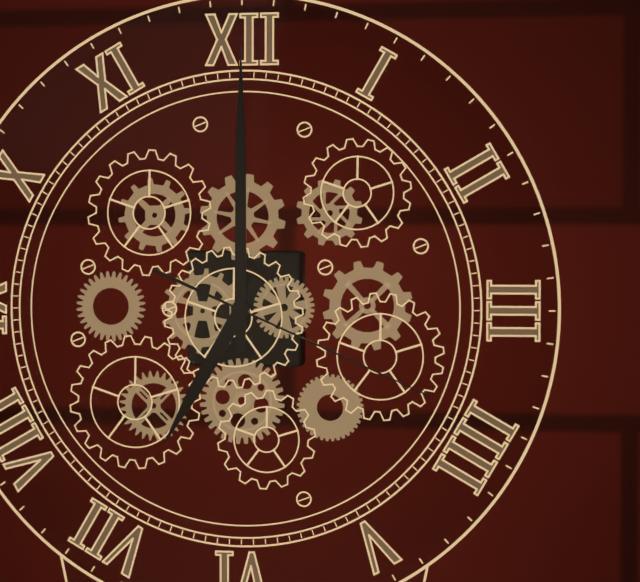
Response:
{"hour": 7, "minute": 0, "second": 19}
